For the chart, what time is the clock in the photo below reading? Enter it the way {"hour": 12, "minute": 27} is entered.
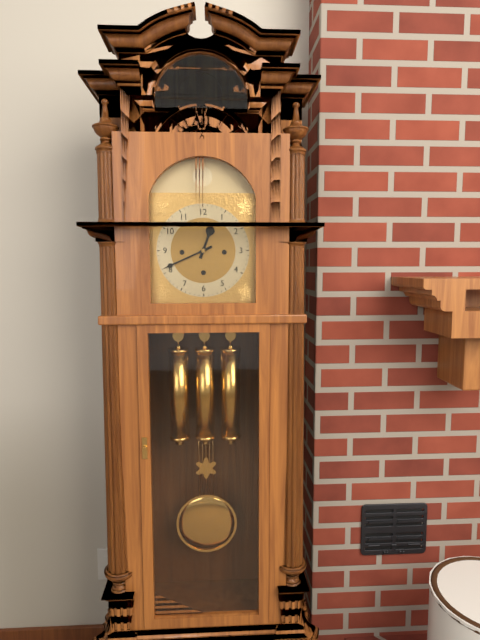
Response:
{"hour": 12, "minute": 41}
